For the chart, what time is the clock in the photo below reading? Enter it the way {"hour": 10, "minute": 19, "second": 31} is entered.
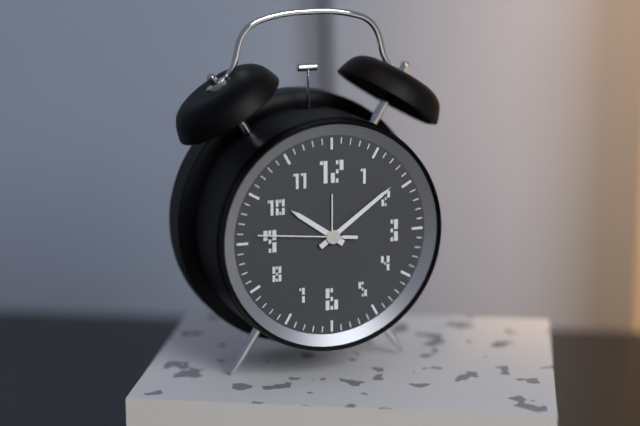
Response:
{"hour": 10, "minute": 9, "second": 46}
